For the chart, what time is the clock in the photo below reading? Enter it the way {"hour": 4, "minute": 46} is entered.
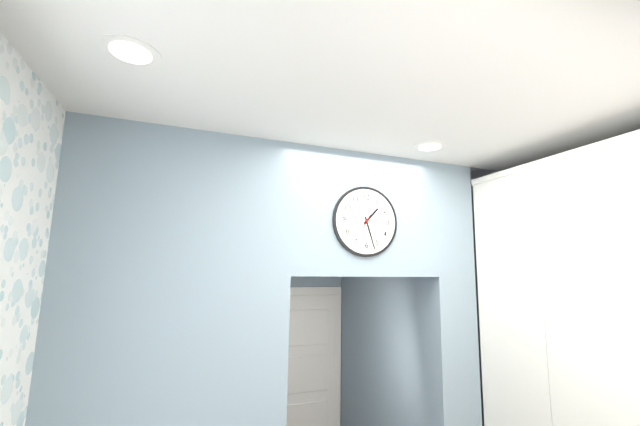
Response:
{"hour": 1, "minute": 27}
